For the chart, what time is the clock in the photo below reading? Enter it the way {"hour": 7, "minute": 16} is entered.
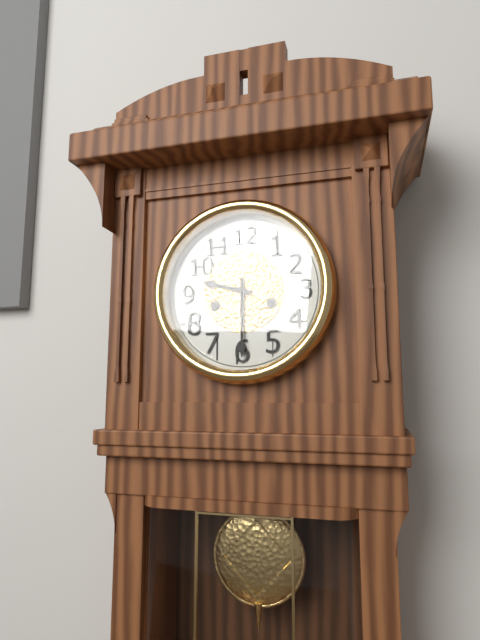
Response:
{"hour": 9, "minute": 30}
